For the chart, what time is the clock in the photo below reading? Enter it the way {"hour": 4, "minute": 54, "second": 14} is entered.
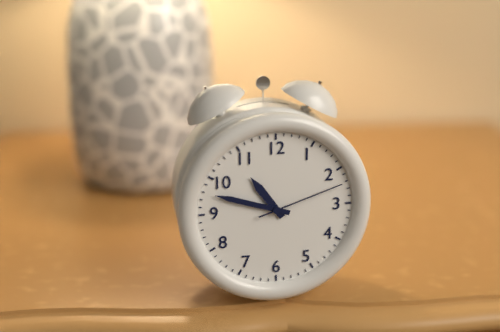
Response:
{"hour": 10, "minute": 48, "second": 12}
